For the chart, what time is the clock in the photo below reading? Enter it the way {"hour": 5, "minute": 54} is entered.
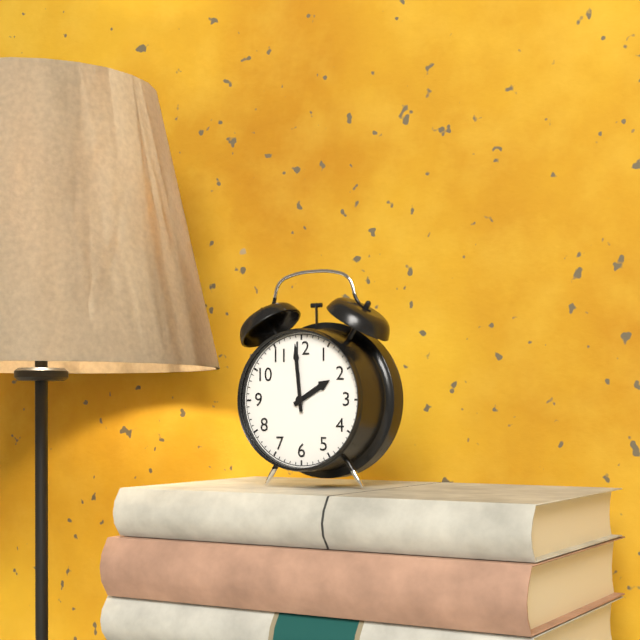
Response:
{"hour": 1, "minute": 59}
